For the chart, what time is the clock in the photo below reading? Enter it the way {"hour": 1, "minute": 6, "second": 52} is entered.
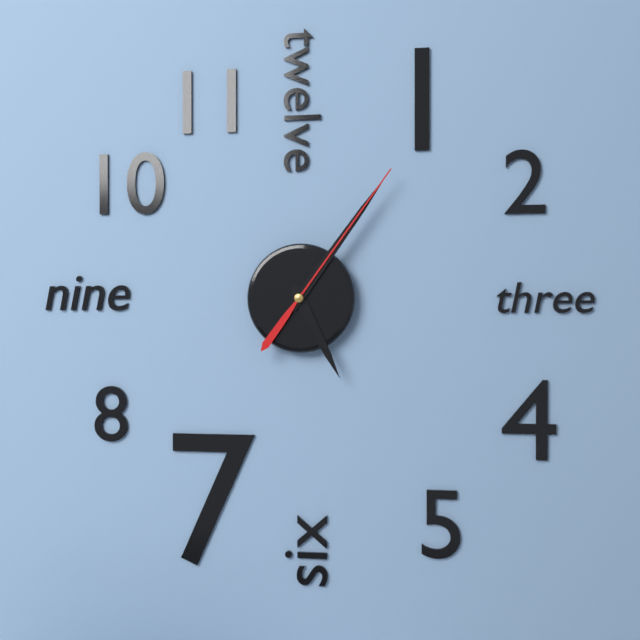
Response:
{"hour": 5, "minute": 6, "second": 6}
